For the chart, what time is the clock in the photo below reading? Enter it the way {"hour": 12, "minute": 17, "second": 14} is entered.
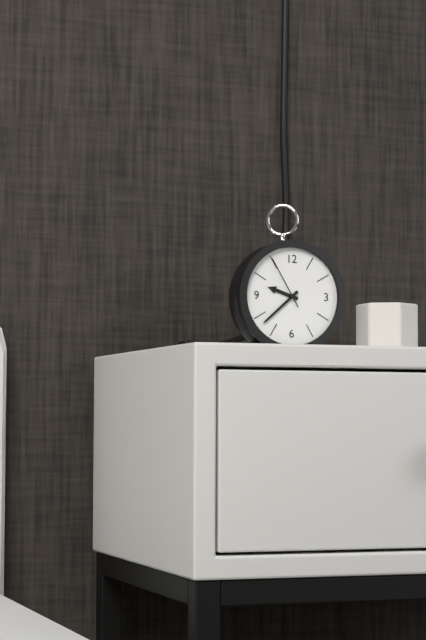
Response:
{"hour": 9, "minute": 38, "second": 55}
